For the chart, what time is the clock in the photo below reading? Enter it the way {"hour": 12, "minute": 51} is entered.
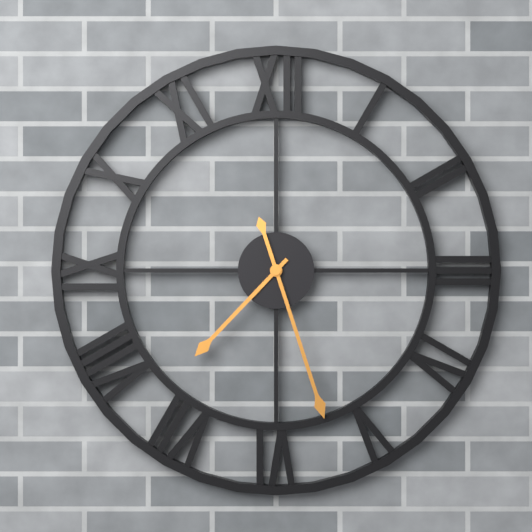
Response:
{"hour": 7, "minute": 27}
